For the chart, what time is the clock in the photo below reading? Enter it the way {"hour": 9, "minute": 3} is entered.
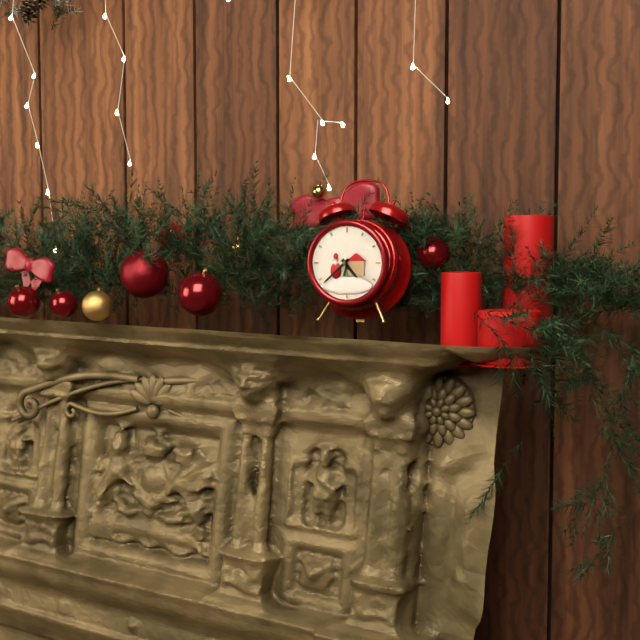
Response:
{"hour": 4, "minute": 38}
